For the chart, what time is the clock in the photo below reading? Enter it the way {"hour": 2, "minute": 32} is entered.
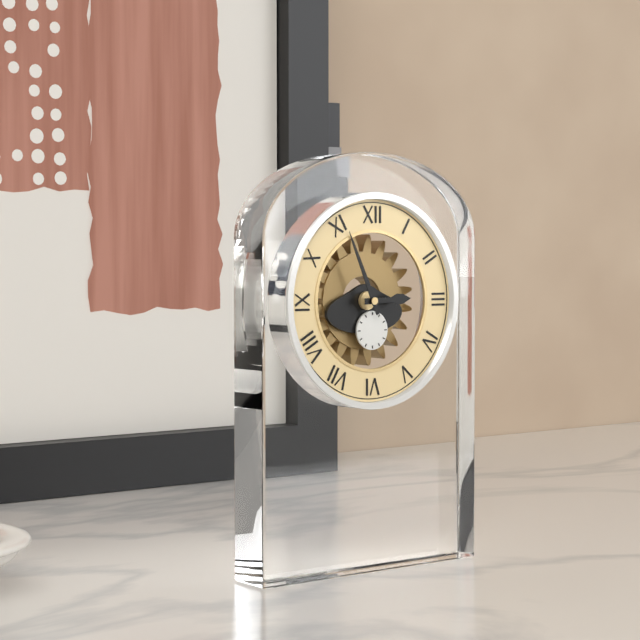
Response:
{"hour": 2, "minute": 56}
